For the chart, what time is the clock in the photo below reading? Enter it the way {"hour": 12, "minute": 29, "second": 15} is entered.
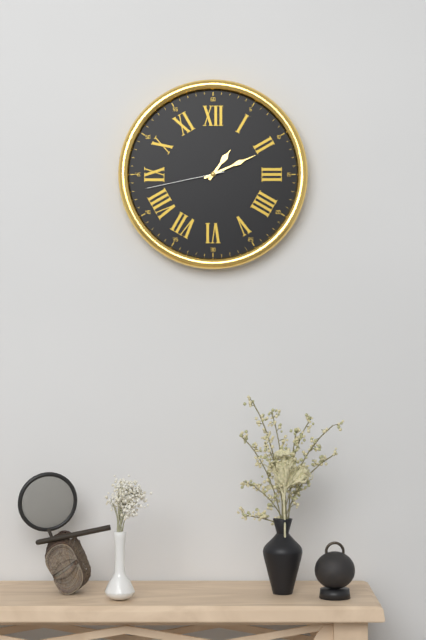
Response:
{"hour": 1, "minute": 11, "second": 43}
